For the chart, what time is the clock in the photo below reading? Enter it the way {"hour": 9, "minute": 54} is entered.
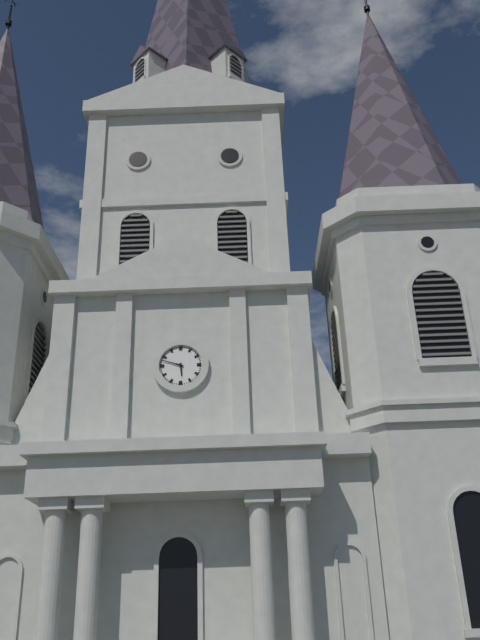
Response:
{"hour": 5, "minute": 48}
